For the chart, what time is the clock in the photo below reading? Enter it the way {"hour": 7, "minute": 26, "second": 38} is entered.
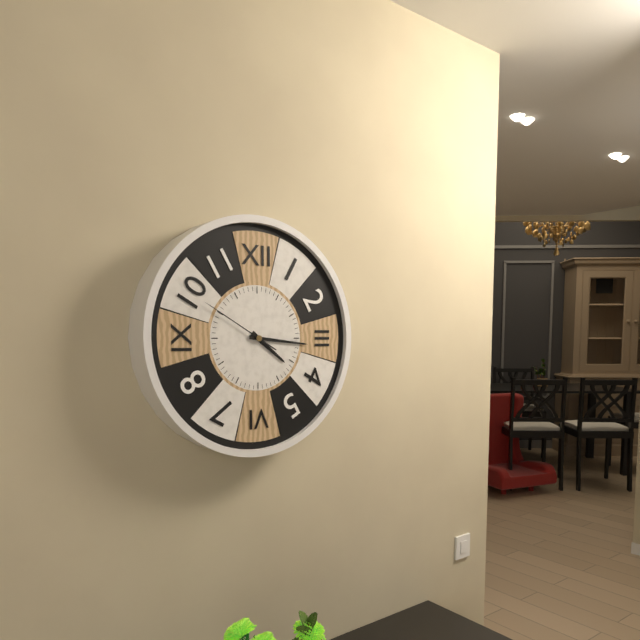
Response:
{"hour": 4, "minute": 16, "second": 50}
